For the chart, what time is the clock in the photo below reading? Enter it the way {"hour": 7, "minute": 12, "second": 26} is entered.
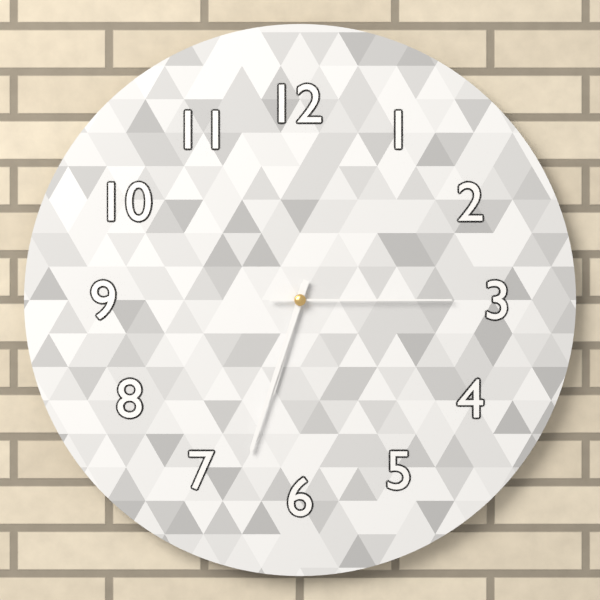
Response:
{"hour": 6, "minute": 33, "second": 15}
